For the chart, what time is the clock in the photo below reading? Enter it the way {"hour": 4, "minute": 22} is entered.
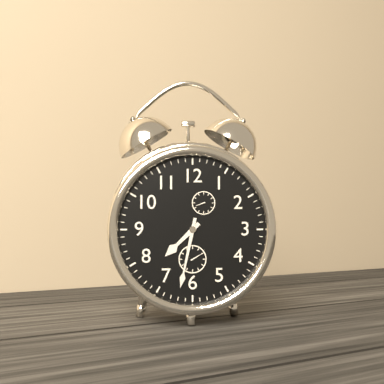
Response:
{"hour": 7, "minute": 32}
